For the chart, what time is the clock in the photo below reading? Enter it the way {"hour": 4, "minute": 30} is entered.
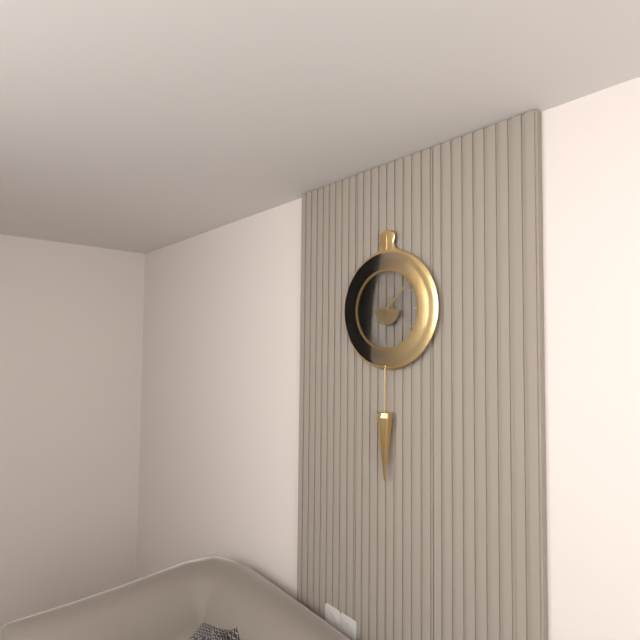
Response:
{"hour": 9, "minute": 8}
